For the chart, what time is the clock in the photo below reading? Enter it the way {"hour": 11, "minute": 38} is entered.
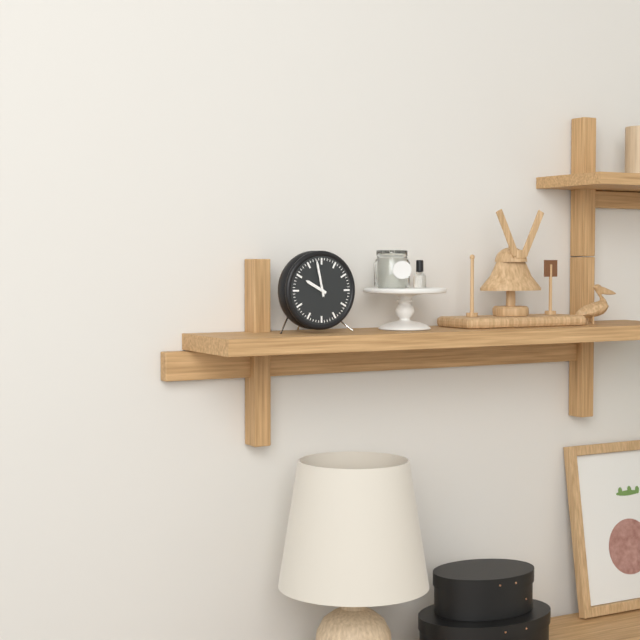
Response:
{"hour": 9, "minute": 58}
